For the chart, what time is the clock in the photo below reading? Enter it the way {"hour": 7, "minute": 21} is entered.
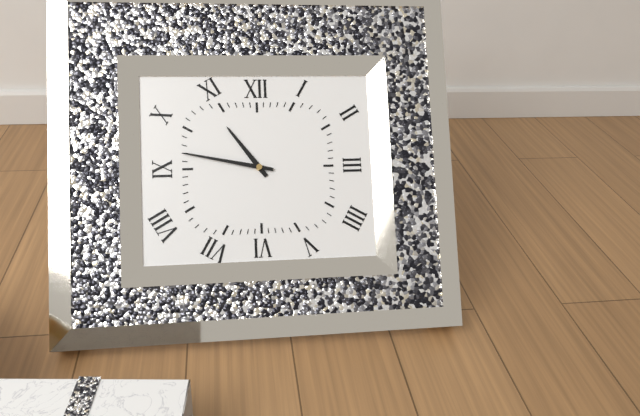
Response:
{"hour": 10, "minute": 47}
